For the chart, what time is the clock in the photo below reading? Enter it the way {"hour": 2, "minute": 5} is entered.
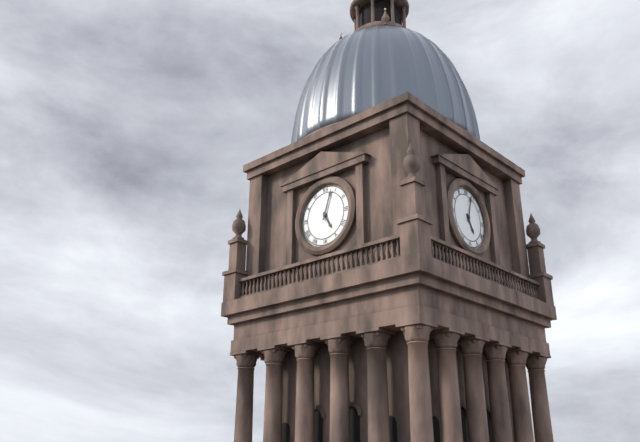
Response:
{"hour": 5, "minute": 3}
